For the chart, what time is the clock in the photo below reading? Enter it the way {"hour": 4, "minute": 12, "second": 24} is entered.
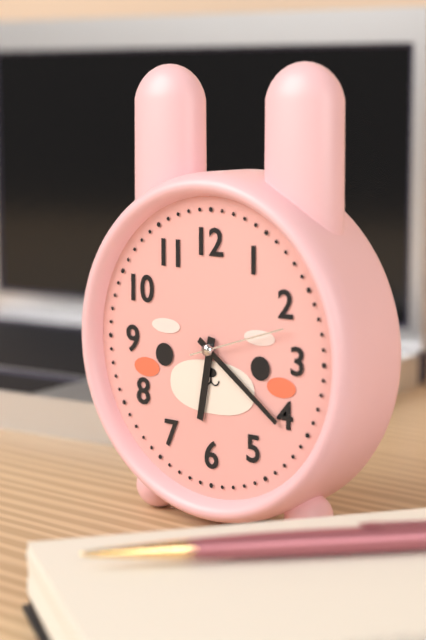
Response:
{"hour": 6, "minute": 21, "second": 12}
